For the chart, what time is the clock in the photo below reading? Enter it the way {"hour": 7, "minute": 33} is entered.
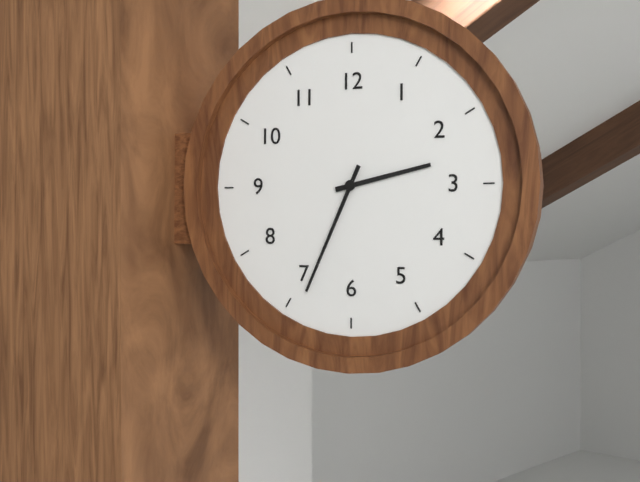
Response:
{"hour": 2, "minute": 34}
